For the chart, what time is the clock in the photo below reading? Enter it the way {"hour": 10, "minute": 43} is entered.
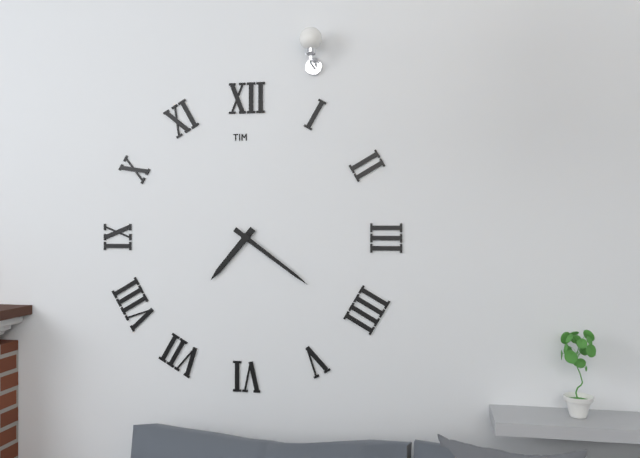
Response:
{"hour": 7, "minute": 21}
